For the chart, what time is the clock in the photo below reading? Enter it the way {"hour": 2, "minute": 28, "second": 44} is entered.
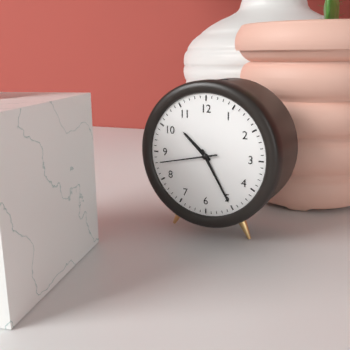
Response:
{"hour": 10, "minute": 25, "second": 43}
